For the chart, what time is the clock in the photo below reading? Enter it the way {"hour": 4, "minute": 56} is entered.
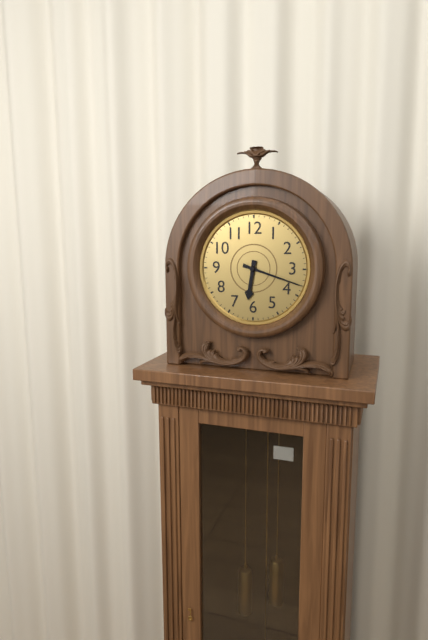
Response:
{"hour": 6, "minute": 18}
